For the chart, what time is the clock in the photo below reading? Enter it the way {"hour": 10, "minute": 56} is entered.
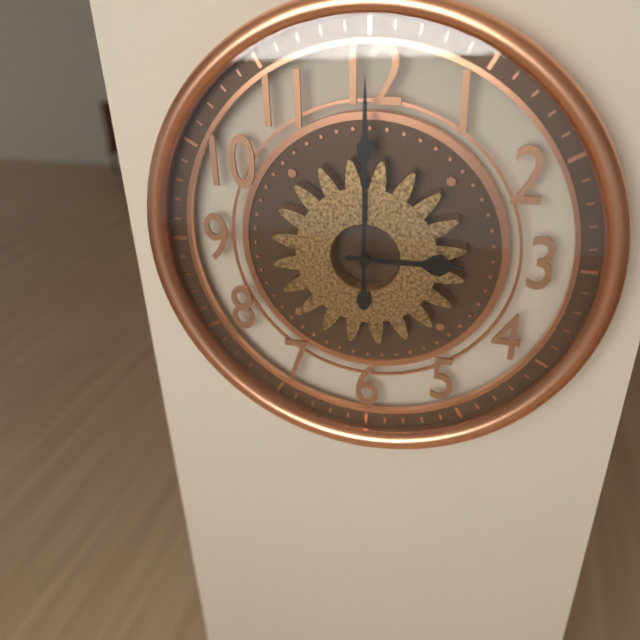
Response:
{"hour": 3, "minute": 0}
